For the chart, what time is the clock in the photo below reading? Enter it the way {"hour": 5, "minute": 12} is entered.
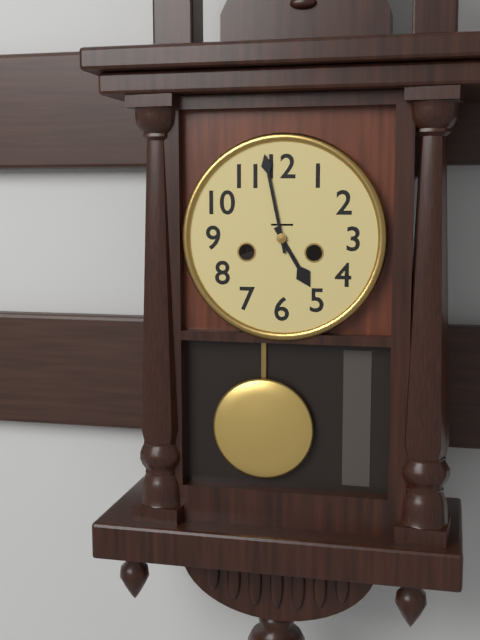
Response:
{"hour": 4, "minute": 58}
